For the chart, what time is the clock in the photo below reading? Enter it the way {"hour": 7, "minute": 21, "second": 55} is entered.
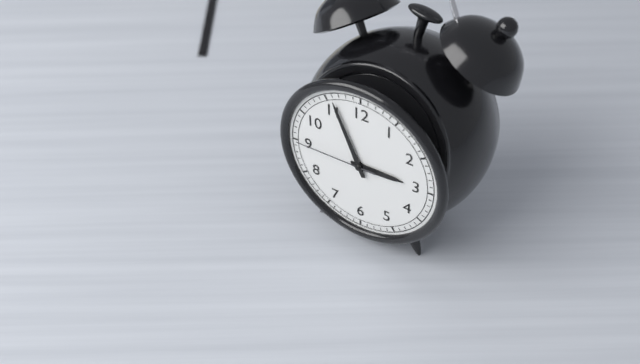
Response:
{"hour": 2, "minute": 56, "second": 45}
